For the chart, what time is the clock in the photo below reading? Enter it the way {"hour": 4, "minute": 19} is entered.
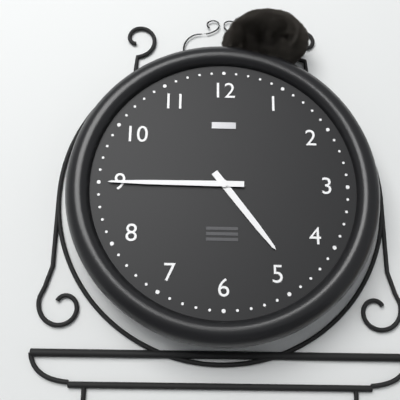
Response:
{"hour": 4, "minute": 45}
